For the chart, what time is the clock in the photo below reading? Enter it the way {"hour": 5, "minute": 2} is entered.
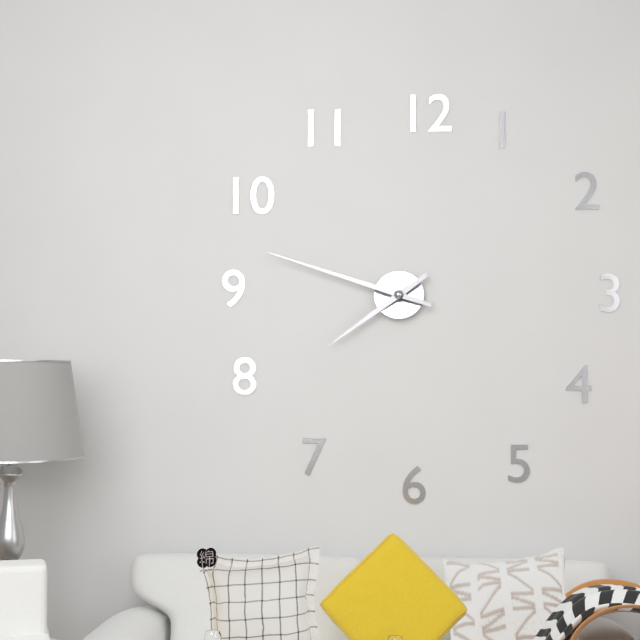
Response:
{"hour": 7, "minute": 48}
